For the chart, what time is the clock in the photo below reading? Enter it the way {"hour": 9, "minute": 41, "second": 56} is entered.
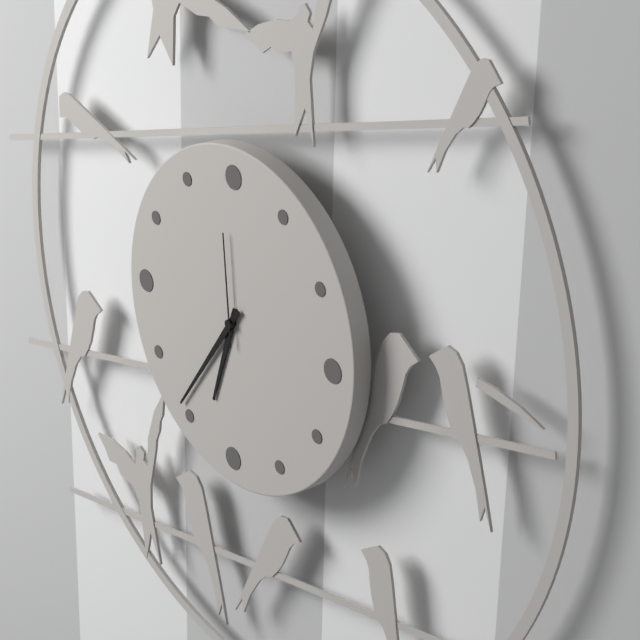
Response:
{"hour": 6, "minute": 36, "second": 59}
